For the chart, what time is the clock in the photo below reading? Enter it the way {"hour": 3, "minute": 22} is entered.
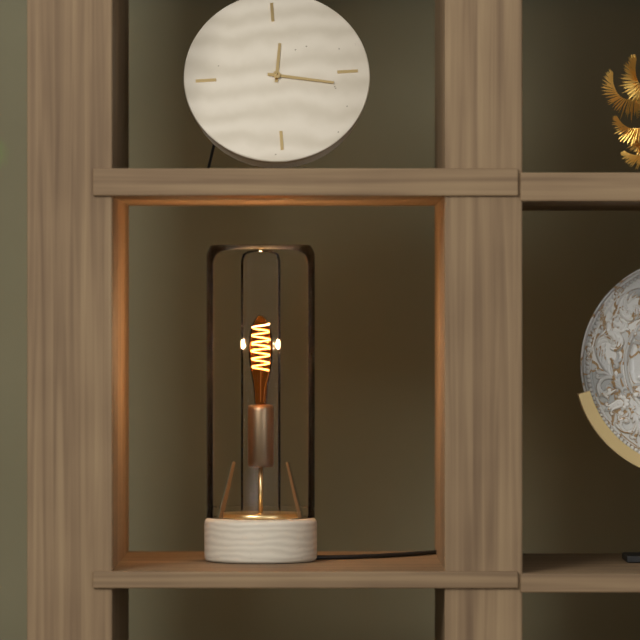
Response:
{"hour": 12, "minute": 17}
